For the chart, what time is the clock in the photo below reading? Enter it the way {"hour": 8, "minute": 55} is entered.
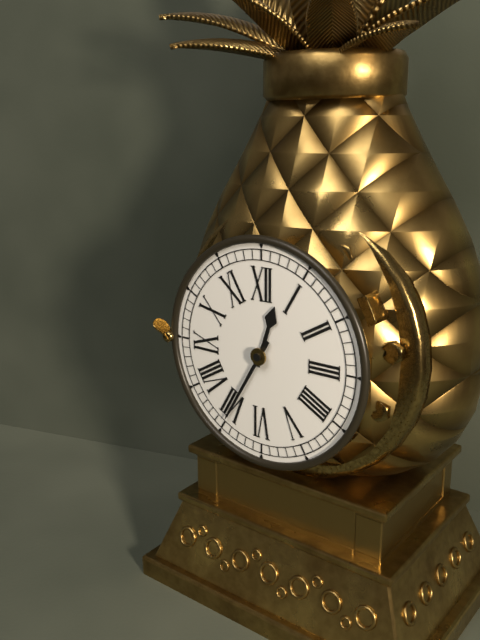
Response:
{"hour": 12, "minute": 35}
